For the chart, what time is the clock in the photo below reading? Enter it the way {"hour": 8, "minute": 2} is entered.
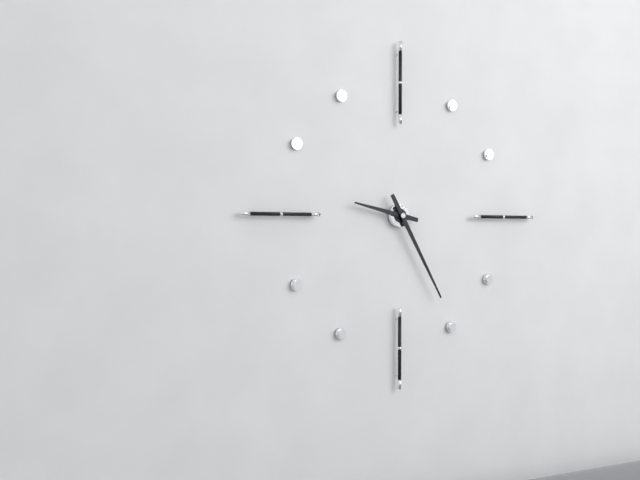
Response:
{"hour": 9, "minute": 25}
